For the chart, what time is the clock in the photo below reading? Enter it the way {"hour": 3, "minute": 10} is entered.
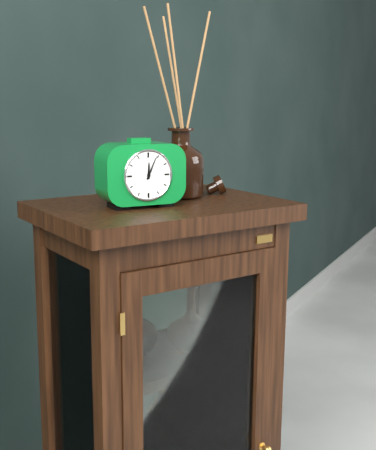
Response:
{"hour": 12, "minute": 4}
